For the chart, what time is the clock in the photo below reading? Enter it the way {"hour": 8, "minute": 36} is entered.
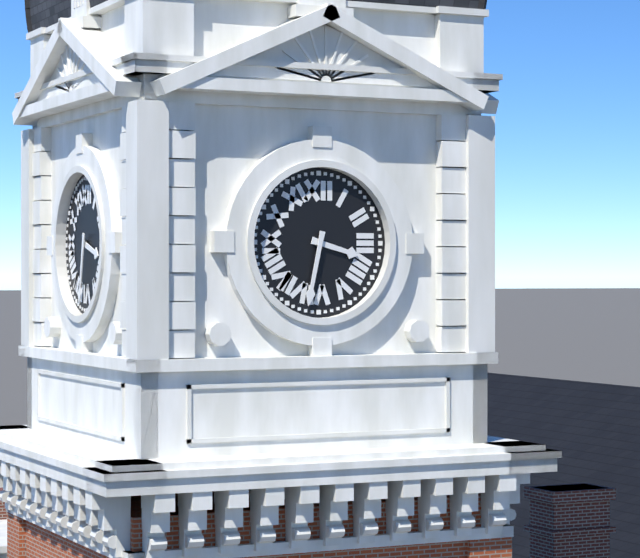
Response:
{"hour": 3, "minute": 32}
